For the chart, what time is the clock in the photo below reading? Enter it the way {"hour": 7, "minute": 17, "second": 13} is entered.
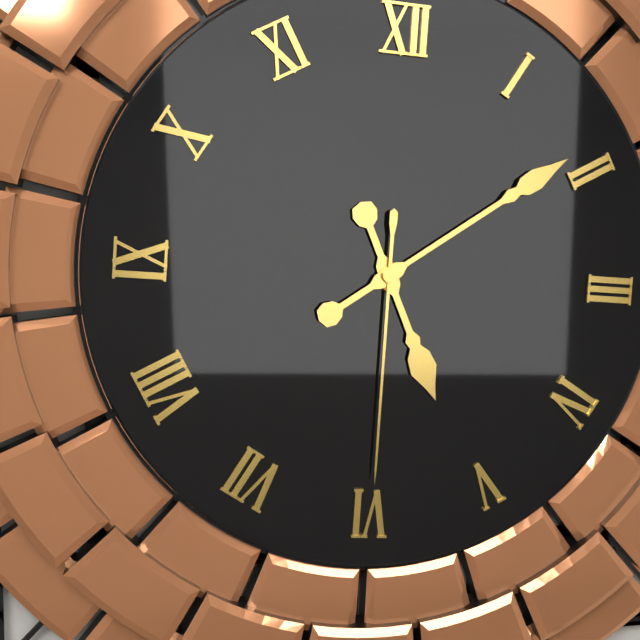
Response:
{"hour": 5, "minute": 9, "second": 30}
